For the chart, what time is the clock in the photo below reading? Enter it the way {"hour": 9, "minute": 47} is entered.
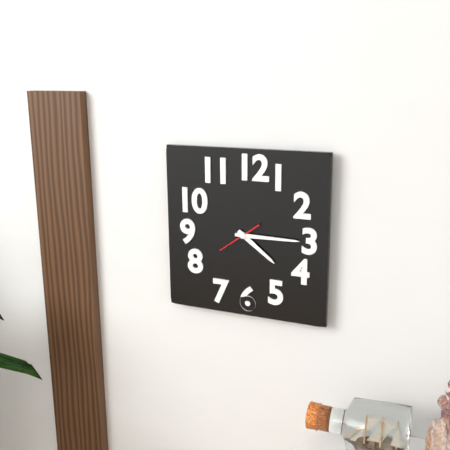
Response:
{"hour": 4, "minute": 15}
